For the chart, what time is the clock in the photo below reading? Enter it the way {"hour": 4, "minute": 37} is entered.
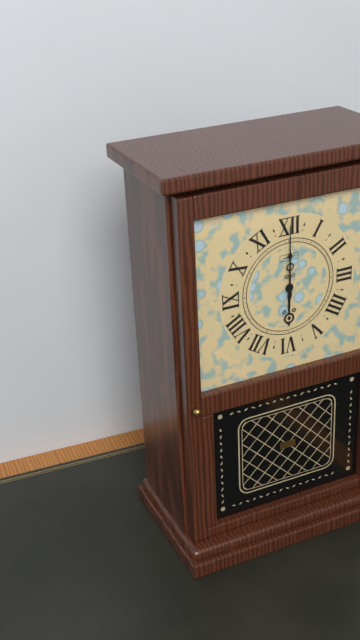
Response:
{"hour": 6, "minute": 0}
